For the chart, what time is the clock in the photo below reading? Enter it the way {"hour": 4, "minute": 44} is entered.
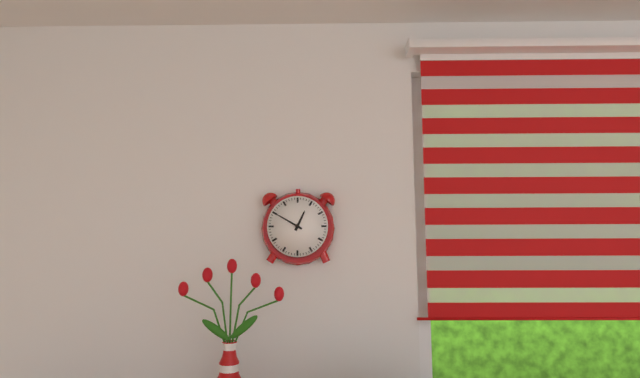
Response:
{"hour": 12, "minute": 50}
